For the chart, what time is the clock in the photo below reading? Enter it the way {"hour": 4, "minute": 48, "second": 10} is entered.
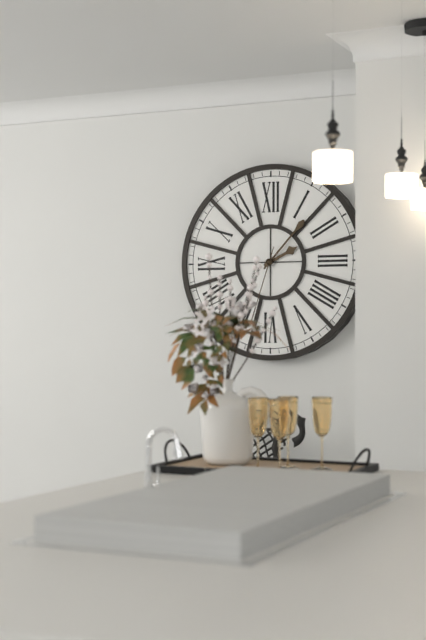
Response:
{"hour": 2, "minute": 7, "second": 33}
